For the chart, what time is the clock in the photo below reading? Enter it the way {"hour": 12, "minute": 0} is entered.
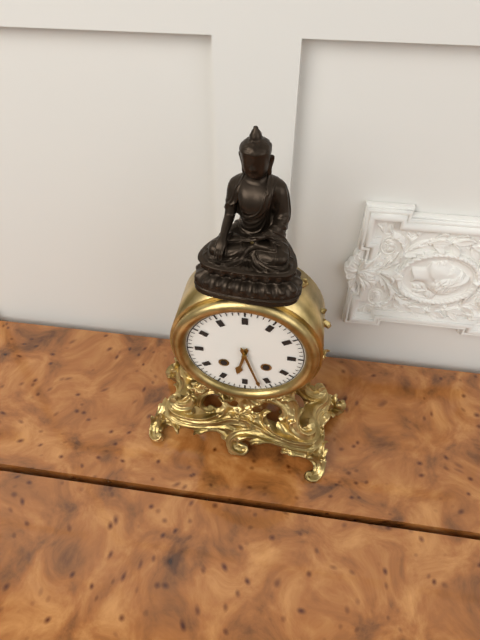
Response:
{"hour": 6, "minute": 27}
